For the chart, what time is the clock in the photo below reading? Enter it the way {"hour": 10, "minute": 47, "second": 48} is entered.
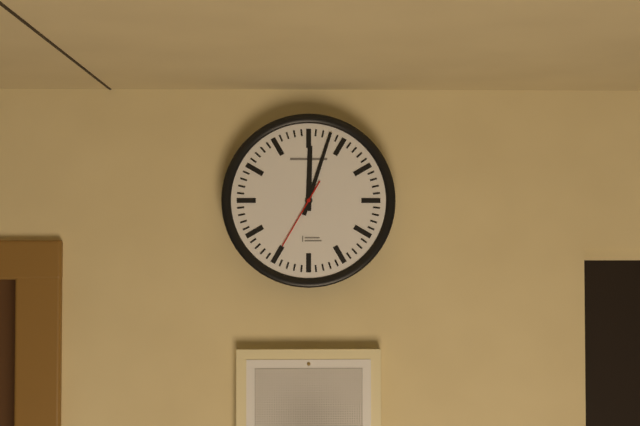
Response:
{"hour": 12, "minute": 3, "second": 35}
